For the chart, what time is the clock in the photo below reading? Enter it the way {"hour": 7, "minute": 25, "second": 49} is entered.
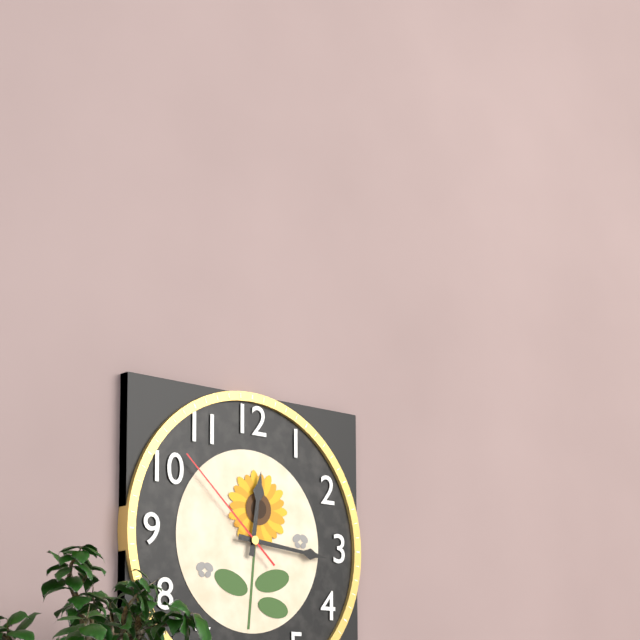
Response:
{"hour": 12, "minute": 16, "second": 52}
